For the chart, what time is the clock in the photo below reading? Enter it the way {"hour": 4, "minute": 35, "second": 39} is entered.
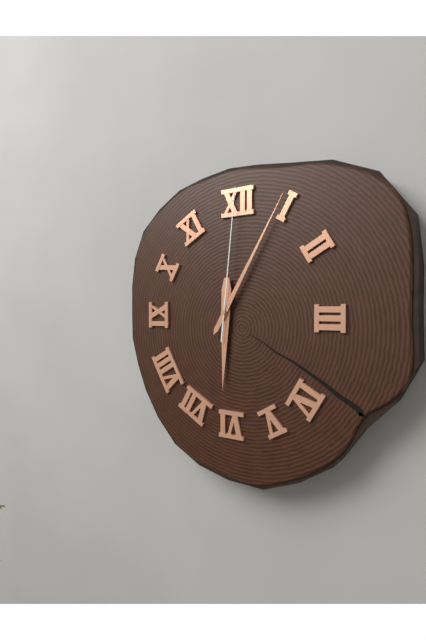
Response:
{"hour": 6, "minute": 5, "second": 1}
